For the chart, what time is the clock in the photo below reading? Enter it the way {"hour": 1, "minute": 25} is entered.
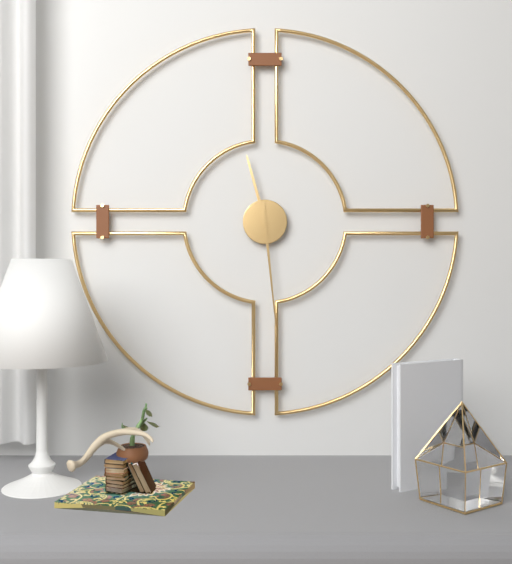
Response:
{"hour": 11, "minute": 29}
